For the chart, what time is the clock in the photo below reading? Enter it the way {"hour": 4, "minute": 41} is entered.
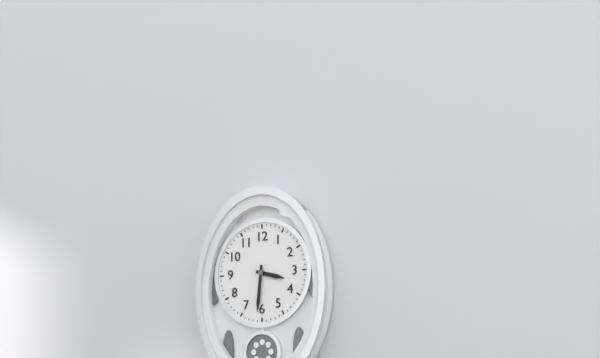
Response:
{"hour": 3, "minute": 31}
